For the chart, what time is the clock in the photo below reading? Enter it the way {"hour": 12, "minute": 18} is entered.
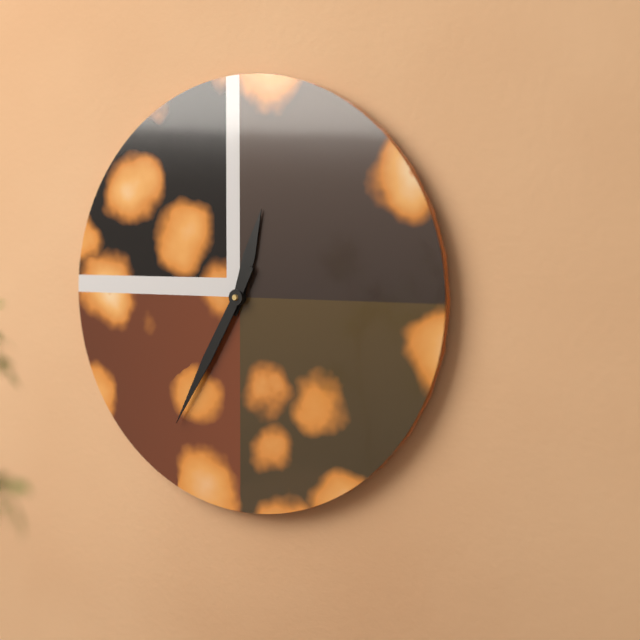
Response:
{"hour": 12, "minute": 35}
